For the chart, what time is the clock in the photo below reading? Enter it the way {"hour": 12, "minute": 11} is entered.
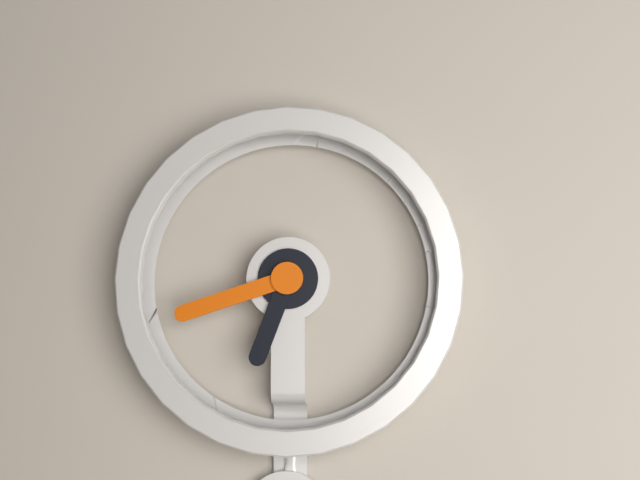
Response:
{"hour": 6, "minute": 42}
